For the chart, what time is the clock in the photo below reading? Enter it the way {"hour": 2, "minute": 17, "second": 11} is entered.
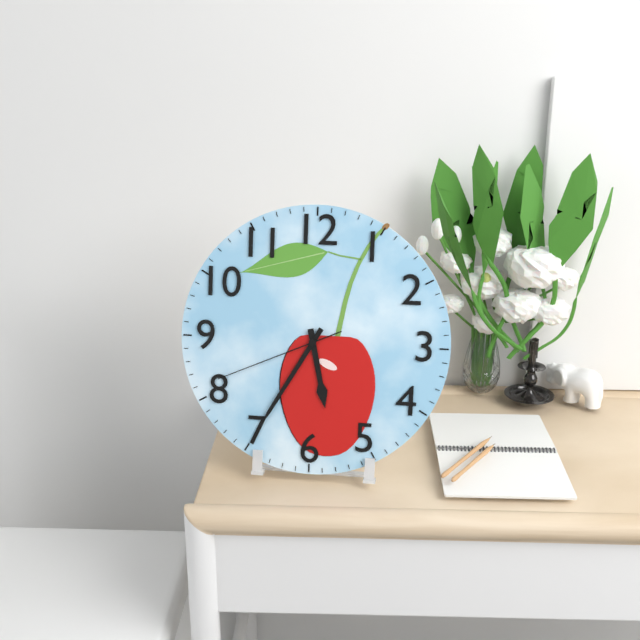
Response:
{"hour": 5, "minute": 35, "second": 41}
